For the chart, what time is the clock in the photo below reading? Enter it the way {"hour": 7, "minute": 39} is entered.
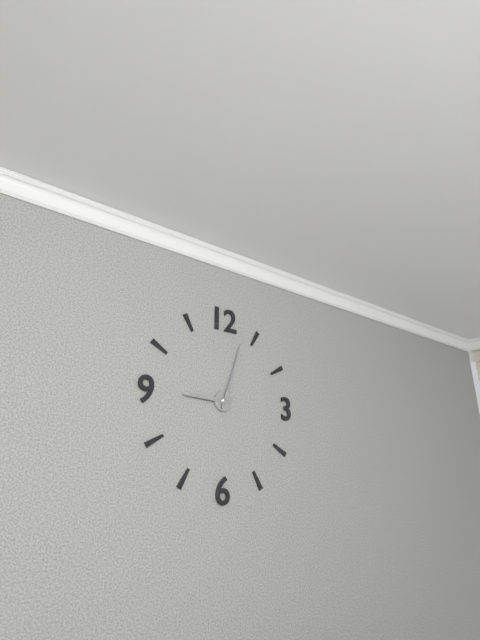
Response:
{"hour": 9, "minute": 3}
